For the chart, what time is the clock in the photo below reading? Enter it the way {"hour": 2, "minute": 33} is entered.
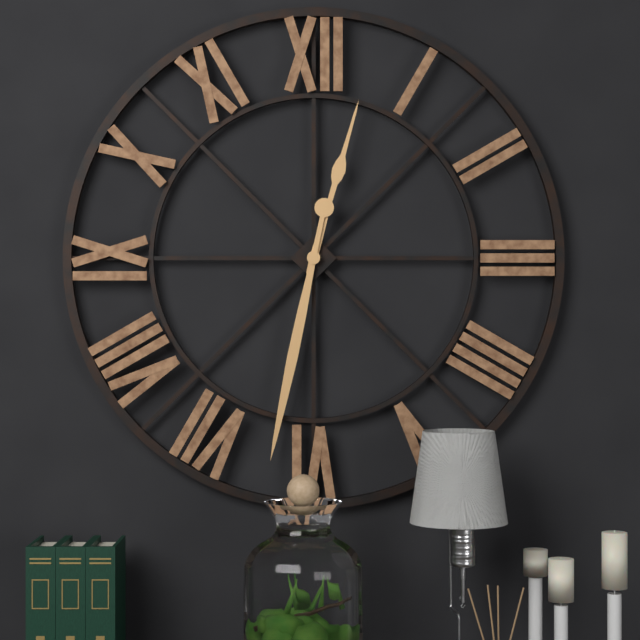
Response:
{"hour": 12, "minute": 32}
